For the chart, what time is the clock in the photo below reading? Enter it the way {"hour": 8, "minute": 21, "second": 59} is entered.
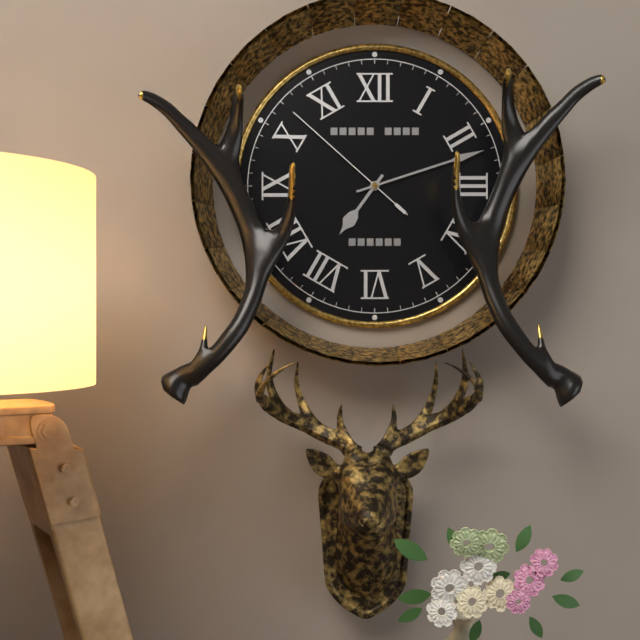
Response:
{"hour": 7, "minute": 12, "second": 52}
